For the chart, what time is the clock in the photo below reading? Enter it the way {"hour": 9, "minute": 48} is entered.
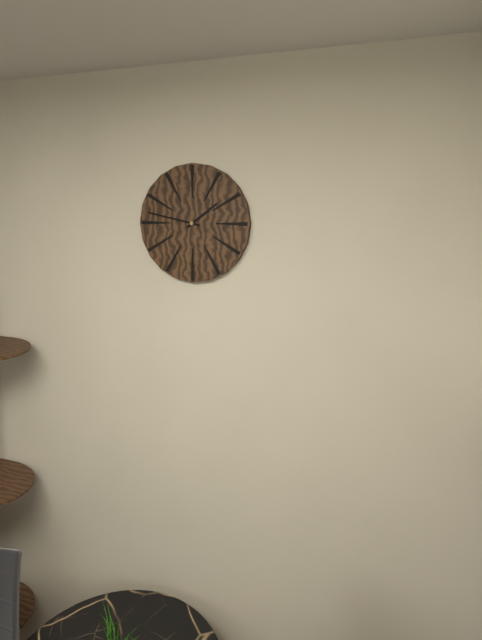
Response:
{"hour": 1, "minute": 47}
